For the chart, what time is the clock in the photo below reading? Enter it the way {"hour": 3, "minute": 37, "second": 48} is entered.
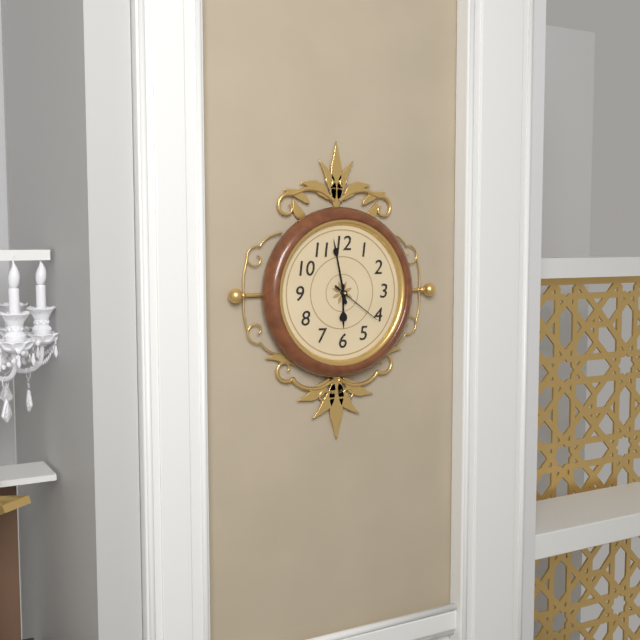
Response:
{"hour": 5, "minute": 58, "second": 21}
